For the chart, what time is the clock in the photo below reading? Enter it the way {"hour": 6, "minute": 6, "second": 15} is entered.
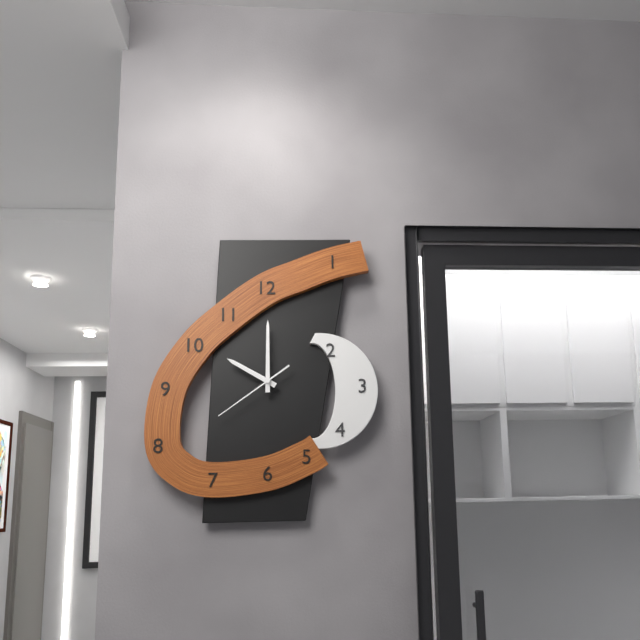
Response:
{"hour": 10, "minute": 0, "second": 39}
